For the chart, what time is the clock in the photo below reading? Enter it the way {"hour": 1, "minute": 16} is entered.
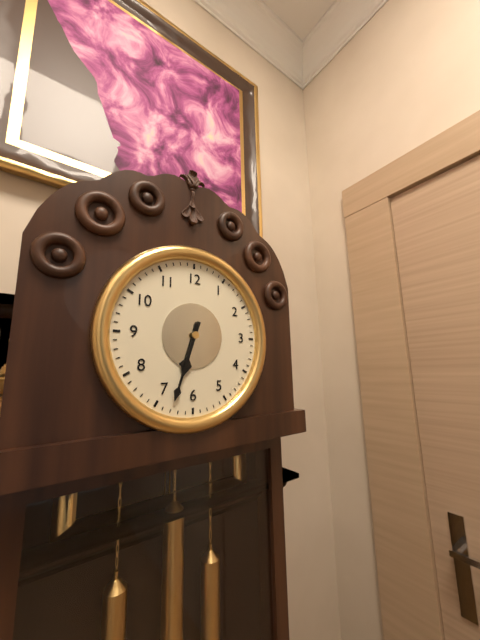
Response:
{"hour": 6, "minute": 33}
